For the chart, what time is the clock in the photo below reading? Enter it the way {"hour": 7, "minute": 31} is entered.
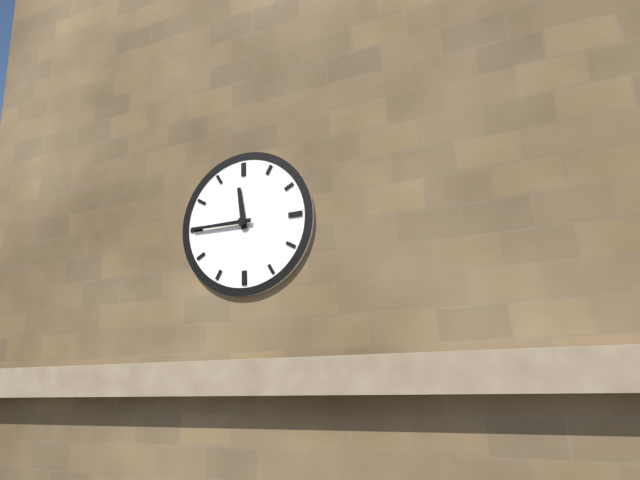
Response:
{"hour": 11, "minute": 45}
